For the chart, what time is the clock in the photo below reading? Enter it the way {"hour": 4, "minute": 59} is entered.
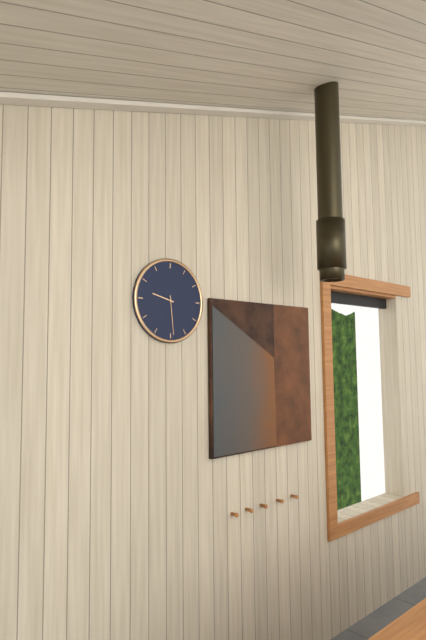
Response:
{"hour": 9, "minute": 29}
